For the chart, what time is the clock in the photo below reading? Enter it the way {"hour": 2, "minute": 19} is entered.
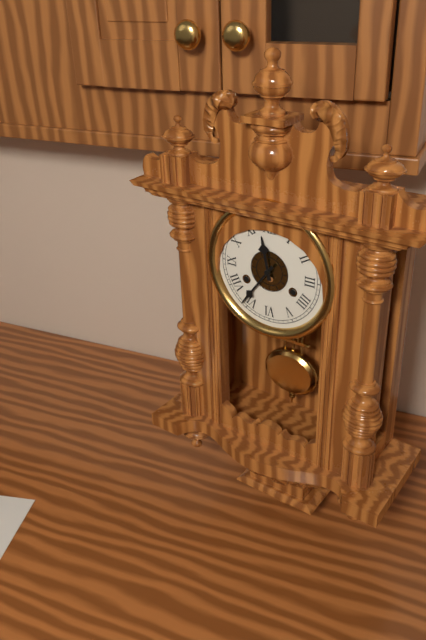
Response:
{"hour": 11, "minute": 36}
